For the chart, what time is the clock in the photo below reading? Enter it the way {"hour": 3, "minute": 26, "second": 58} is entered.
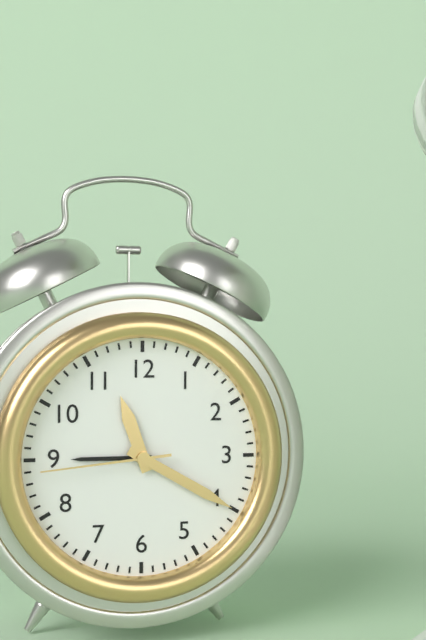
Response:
{"hour": 11, "minute": 20, "second": 44}
